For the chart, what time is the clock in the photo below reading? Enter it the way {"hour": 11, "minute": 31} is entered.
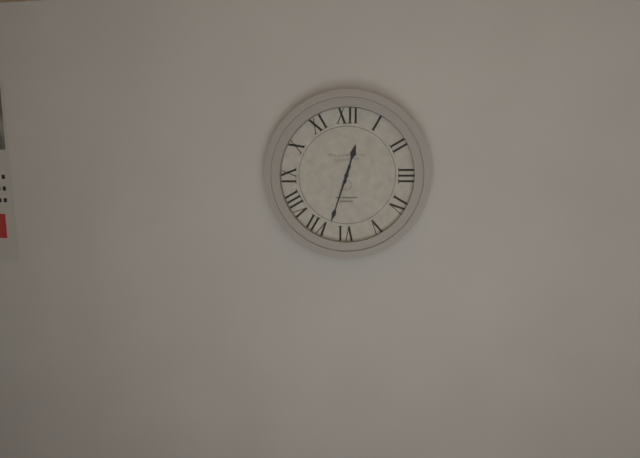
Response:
{"hour": 12, "minute": 33}
